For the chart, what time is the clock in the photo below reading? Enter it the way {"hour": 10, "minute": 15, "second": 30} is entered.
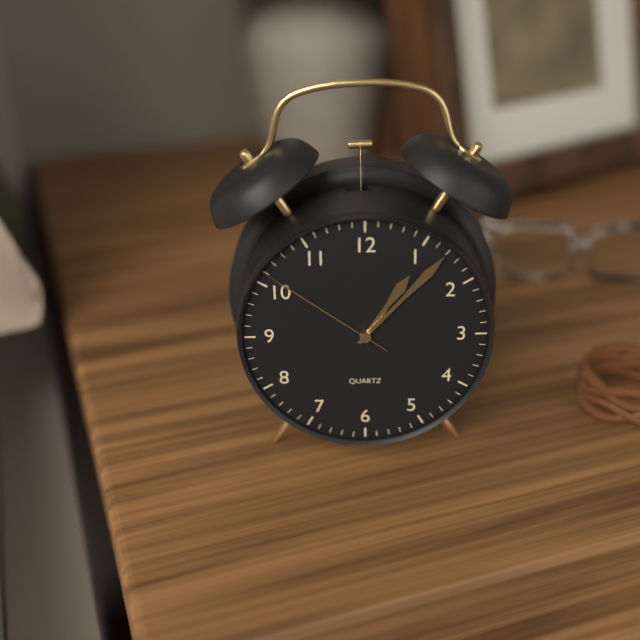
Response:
{"hour": 1, "minute": 7, "second": 51}
